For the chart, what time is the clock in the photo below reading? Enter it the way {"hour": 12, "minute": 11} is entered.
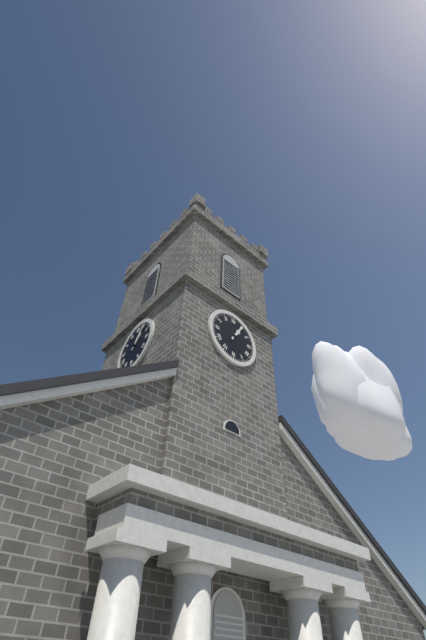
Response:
{"hour": 1, "minute": 5}
